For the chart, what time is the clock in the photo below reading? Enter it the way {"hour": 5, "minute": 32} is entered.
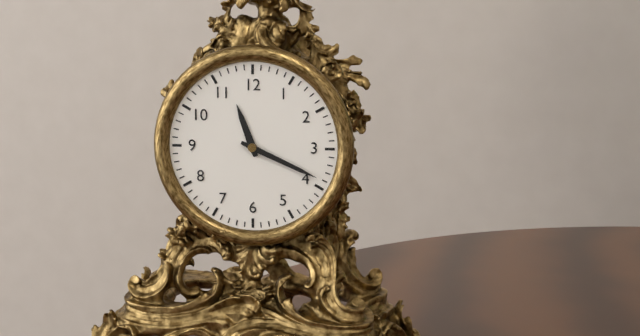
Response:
{"hour": 11, "minute": 19}
